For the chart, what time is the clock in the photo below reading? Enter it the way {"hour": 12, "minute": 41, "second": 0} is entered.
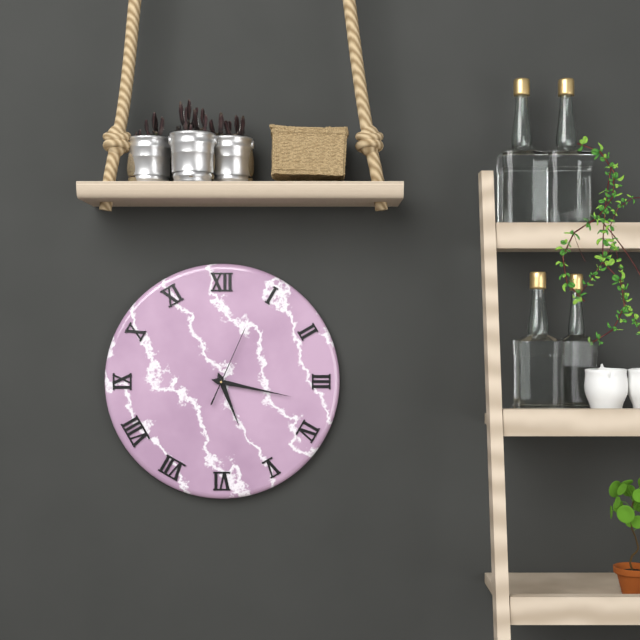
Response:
{"hour": 5, "minute": 17, "second": 4}
